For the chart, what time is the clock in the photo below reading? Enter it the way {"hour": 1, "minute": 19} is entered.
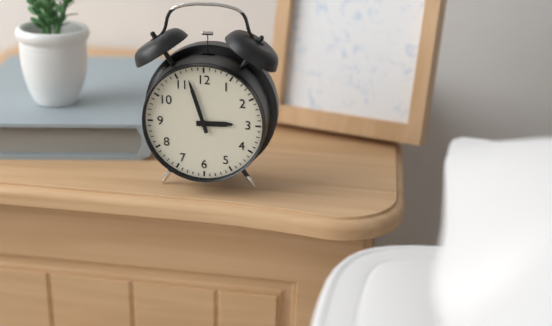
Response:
{"hour": 2, "minute": 57}
